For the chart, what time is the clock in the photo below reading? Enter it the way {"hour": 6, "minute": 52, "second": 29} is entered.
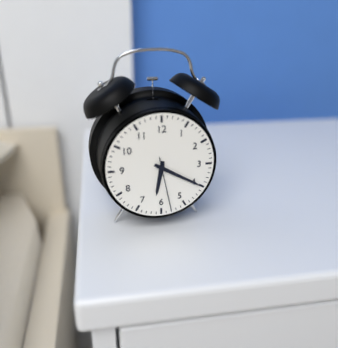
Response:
{"hour": 6, "minute": 20, "second": 28}
